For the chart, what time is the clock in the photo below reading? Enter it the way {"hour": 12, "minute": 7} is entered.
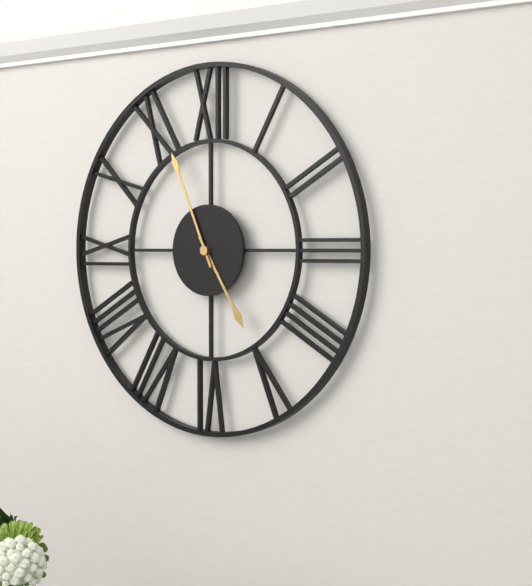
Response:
{"hour": 4, "minute": 56}
